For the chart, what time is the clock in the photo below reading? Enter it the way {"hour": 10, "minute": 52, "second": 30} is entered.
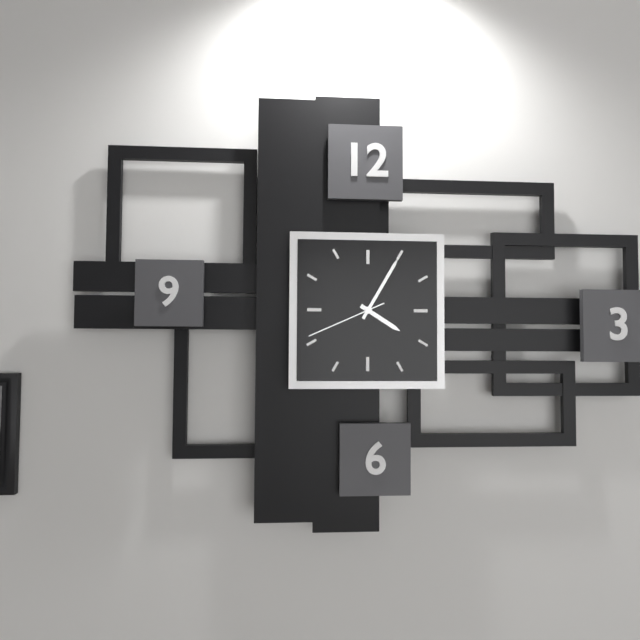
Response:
{"hour": 4, "minute": 5, "second": 41}
